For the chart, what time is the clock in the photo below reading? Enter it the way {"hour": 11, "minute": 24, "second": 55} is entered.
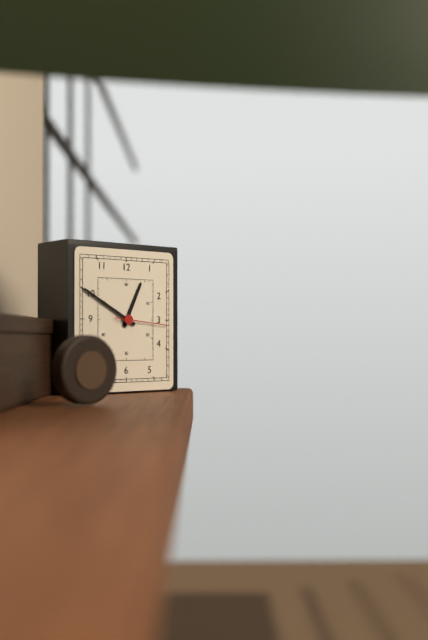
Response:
{"hour": 12, "minute": 50, "second": 16}
